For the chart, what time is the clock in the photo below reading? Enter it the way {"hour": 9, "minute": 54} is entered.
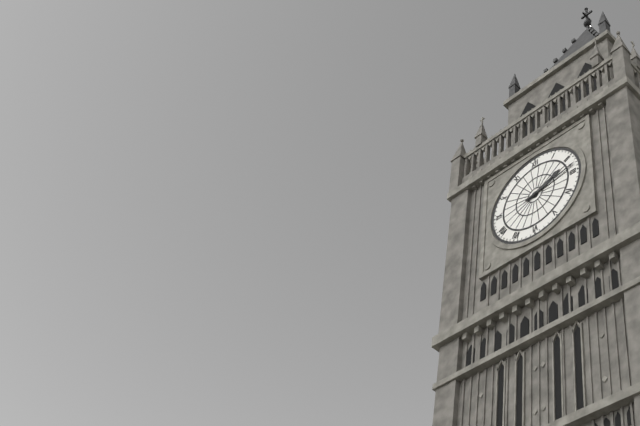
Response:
{"hour": 2, "minute": 13}
